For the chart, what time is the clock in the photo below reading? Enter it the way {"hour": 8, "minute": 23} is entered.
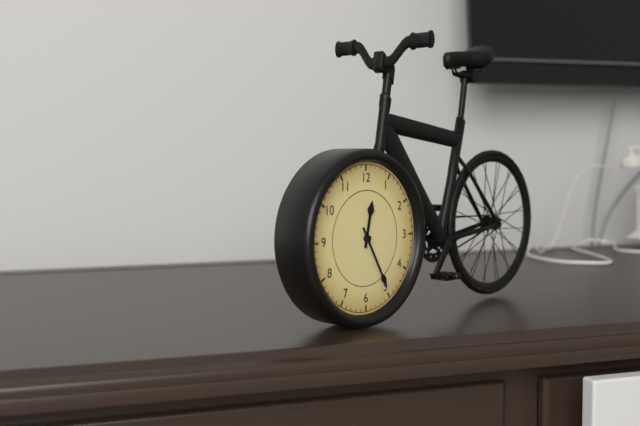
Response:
{"hour": 12, "minute": 25}
